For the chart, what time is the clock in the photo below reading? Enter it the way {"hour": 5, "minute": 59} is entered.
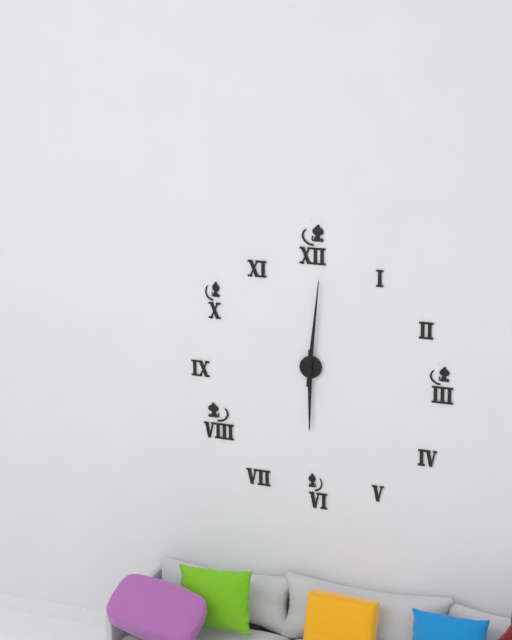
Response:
{"hour": 6, "minute": 1}
